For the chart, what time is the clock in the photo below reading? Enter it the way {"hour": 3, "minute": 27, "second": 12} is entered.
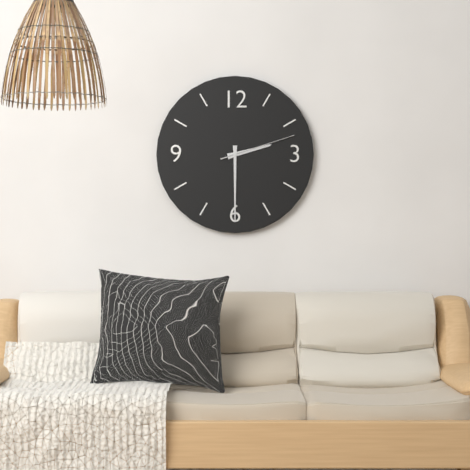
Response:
{"hour": 2, "minute": 30, "second": 12}
